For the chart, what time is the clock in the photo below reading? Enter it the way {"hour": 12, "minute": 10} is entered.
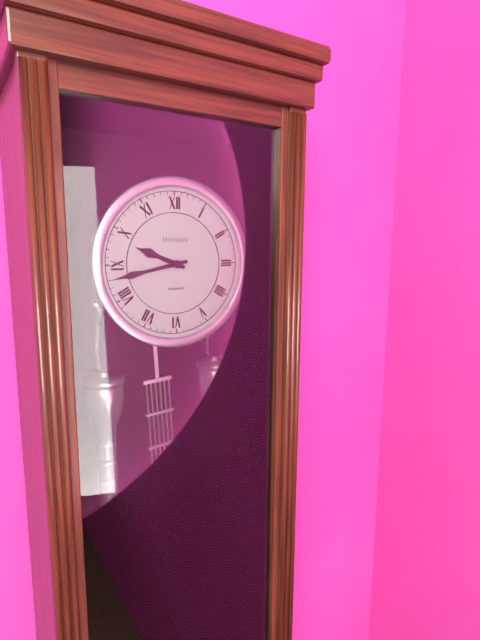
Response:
{"hour": 9, "minute": 43}
